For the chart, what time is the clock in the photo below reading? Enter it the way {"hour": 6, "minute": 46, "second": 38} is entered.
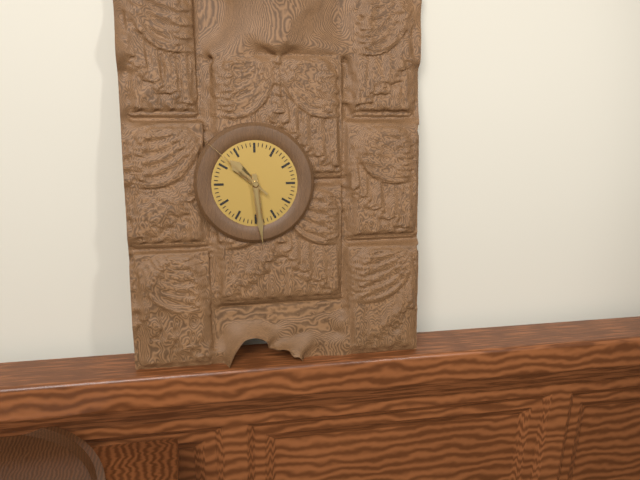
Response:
{"hour": 10, "minute": 29, "second": 52}
